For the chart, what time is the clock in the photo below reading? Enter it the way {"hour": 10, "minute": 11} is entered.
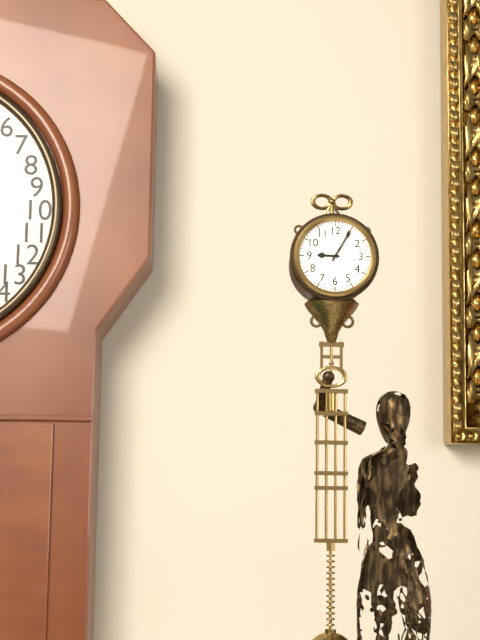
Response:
{"hour": 9, "minute": 5}
